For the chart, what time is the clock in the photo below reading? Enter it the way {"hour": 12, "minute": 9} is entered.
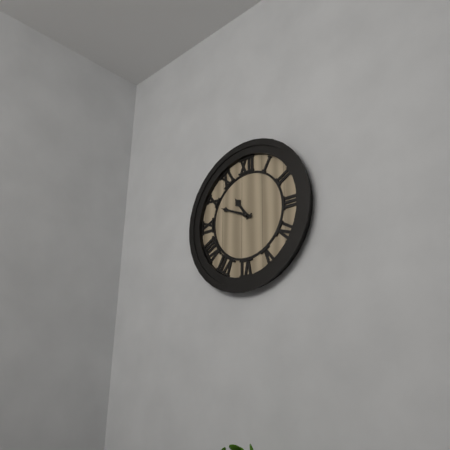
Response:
{"hour": 10, "minute": 49}
